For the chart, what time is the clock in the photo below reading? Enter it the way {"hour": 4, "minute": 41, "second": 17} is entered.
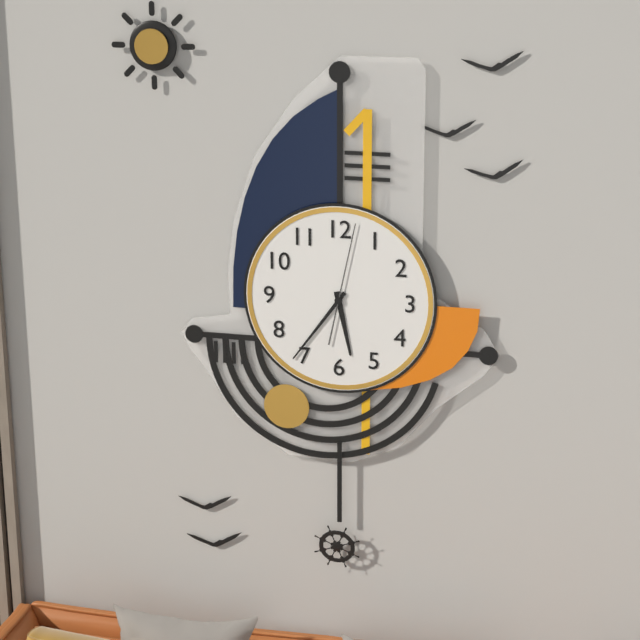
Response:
{"hour": 5, "minute": 36, "second": 2}
